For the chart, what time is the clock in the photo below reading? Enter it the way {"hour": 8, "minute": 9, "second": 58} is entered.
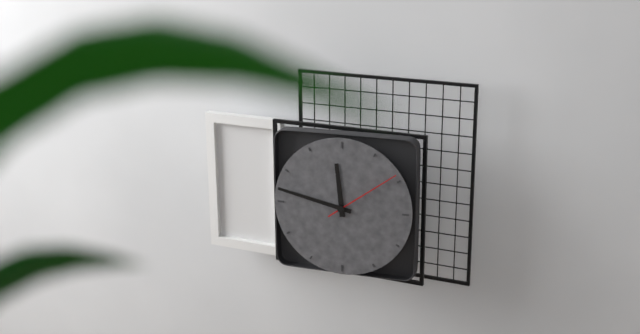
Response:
{"hour": 11, "minute": 47, "second": 9}
